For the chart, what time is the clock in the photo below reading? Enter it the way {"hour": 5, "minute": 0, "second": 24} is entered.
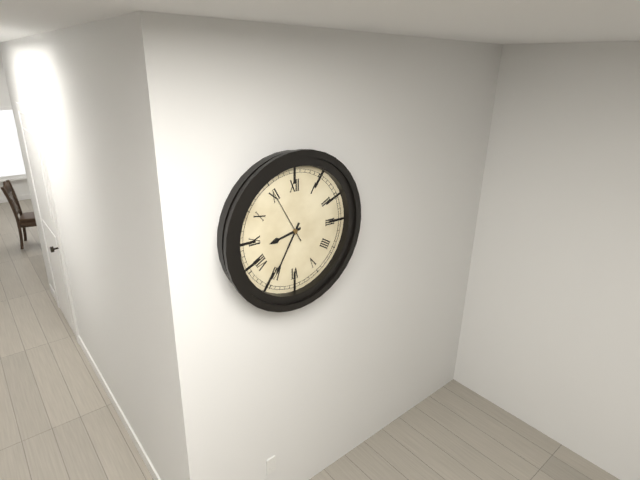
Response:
{"hour": 8, "minute": 35, "second": 55}
